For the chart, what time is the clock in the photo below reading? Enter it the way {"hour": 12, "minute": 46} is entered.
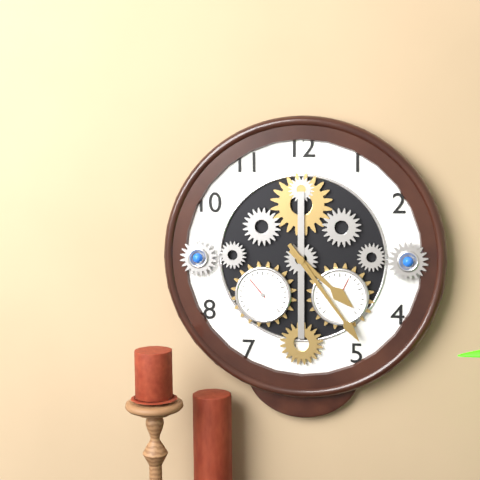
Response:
{"hour": 4, "minute": 24}
